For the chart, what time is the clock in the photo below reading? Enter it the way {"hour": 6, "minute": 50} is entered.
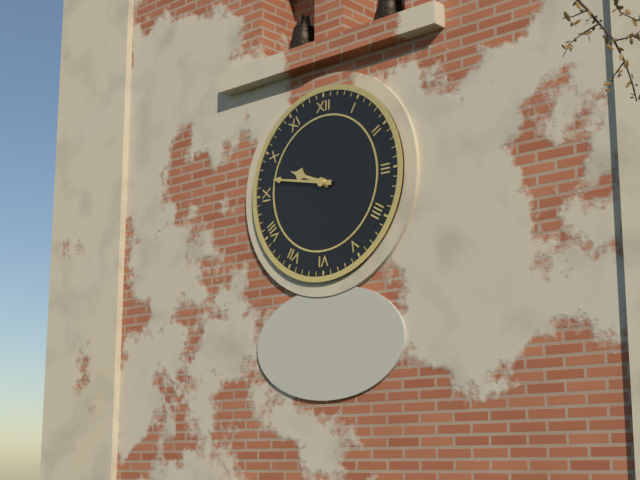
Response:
{"hour": 9, "minute": 47}
